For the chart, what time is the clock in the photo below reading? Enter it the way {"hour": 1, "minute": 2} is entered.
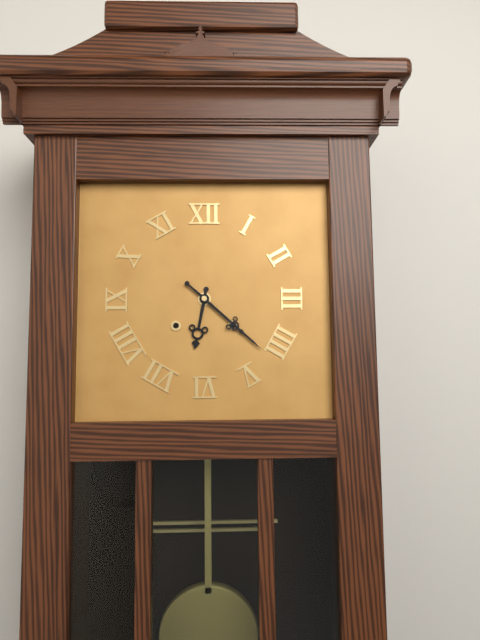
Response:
{"hour": 6, "minute": 22}
